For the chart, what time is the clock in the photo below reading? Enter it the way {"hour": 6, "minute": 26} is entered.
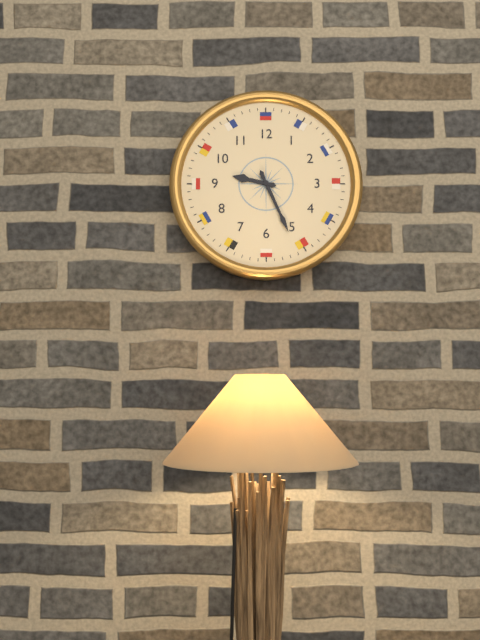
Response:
{"hour": 9, "minute": 26}
